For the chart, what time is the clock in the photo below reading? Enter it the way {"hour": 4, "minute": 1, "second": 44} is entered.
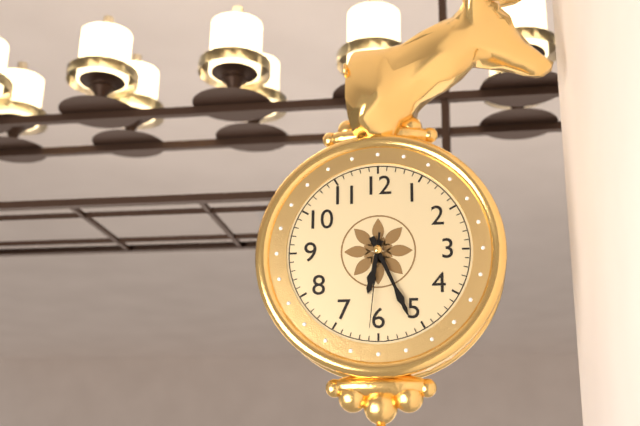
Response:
{"hour": 6, "minute": 26, "second": 31}
